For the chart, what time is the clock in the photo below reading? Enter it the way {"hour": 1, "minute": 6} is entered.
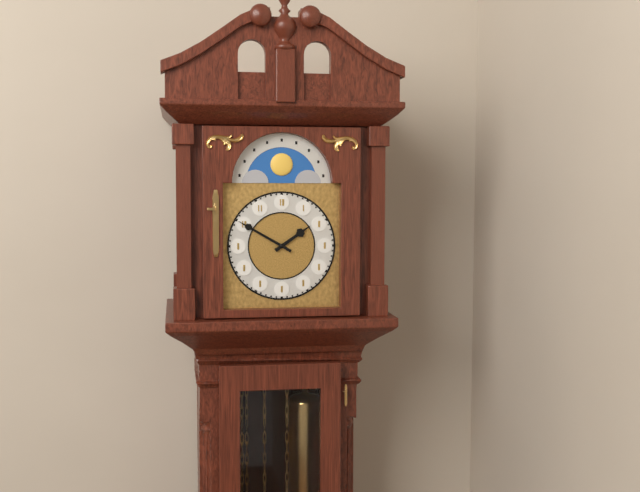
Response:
{"hour": 1, "minute": 50}
